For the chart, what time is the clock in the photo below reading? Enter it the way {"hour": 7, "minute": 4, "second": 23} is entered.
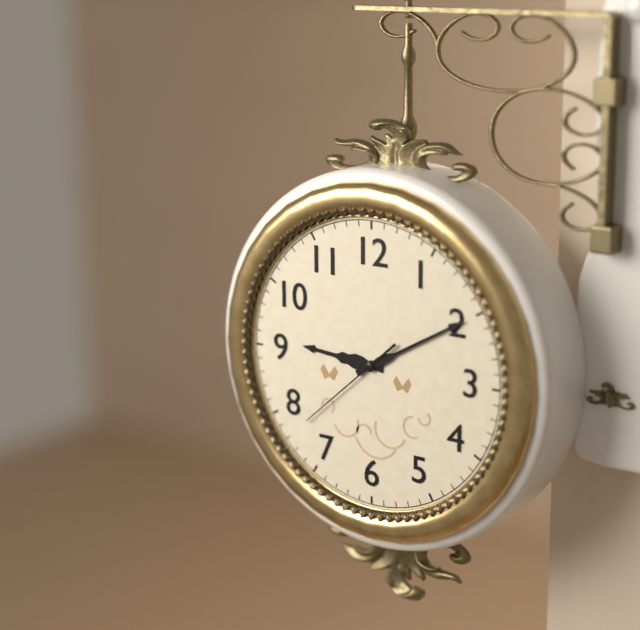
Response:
{"hour": 9, "minute": 10, "second": 38}
